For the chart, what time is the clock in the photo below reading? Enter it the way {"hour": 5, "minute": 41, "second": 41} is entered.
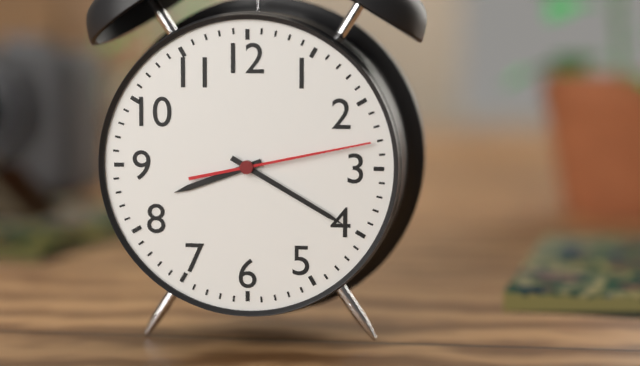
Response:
{"hour": 8, "minute": 20, "second": 13}
